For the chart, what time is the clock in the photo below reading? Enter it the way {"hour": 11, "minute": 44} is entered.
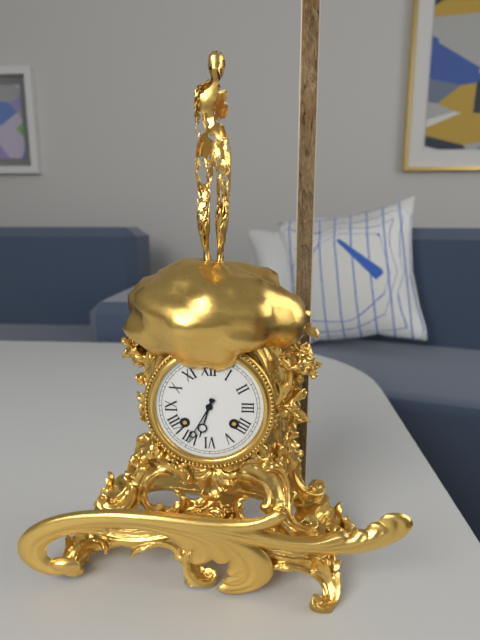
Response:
{"hour": 6, "minute": 35}
